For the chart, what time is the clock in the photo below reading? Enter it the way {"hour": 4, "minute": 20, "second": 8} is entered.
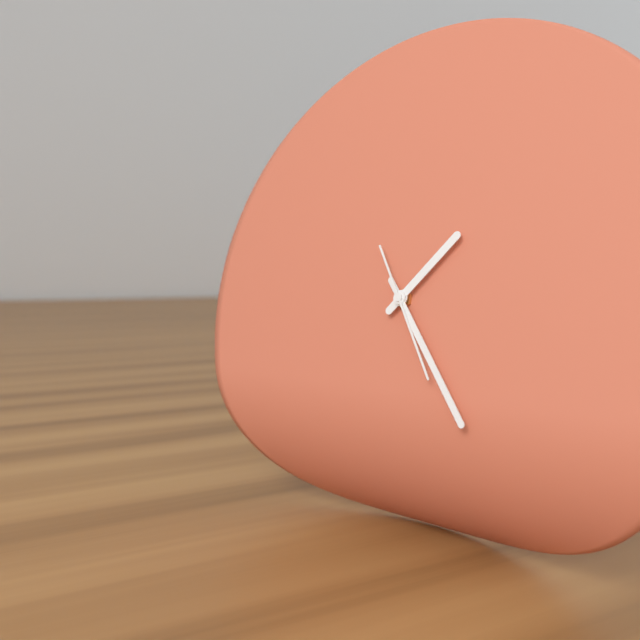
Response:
{"hour": 1, "minute": 24, "second": 25}
